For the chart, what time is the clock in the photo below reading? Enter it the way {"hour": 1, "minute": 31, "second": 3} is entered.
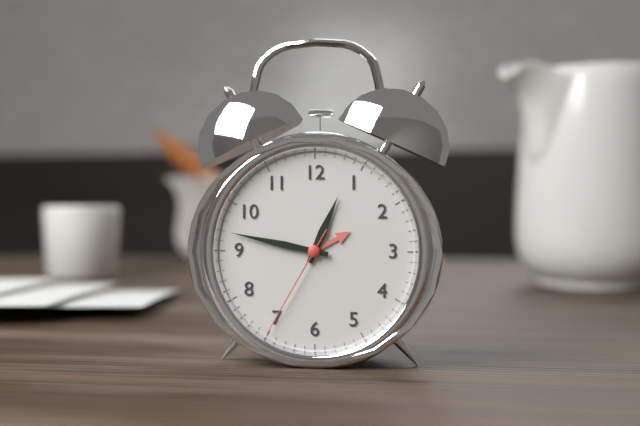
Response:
{"hour": 12, "minute": 47, "second": 35}
